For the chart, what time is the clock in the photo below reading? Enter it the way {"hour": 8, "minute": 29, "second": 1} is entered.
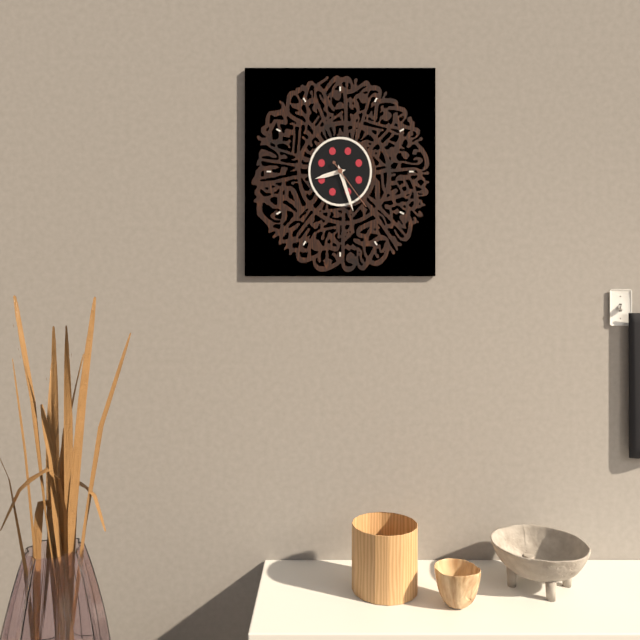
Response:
{"hour": 8, "minute": 27, "second": 24}
